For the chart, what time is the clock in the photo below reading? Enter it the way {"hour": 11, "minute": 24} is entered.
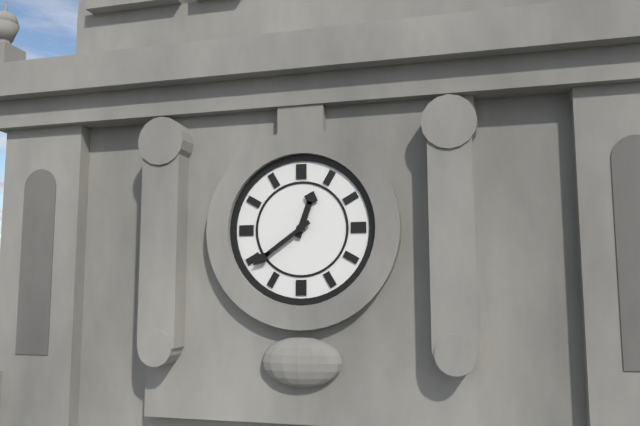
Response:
{"hour": 12, "minute": 39}
